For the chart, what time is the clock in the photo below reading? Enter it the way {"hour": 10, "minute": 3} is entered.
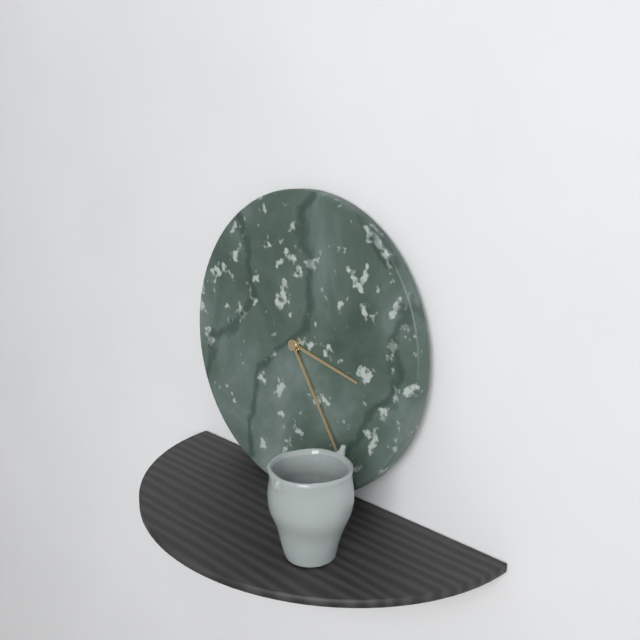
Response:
{"hour": 3, "minute": 24}
